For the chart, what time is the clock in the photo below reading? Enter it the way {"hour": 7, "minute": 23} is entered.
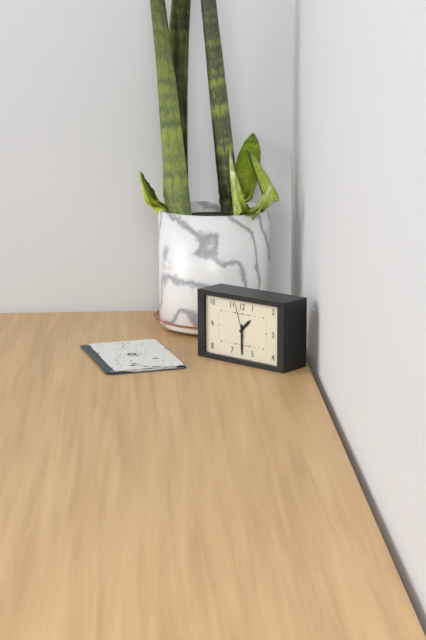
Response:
{"hour": 1, "minute": 30}
